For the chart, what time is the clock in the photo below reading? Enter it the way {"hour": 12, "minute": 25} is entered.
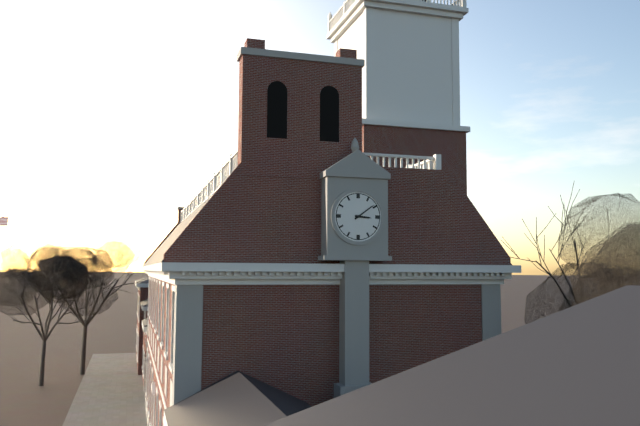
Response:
{"hour": 3, "minute": 9}
